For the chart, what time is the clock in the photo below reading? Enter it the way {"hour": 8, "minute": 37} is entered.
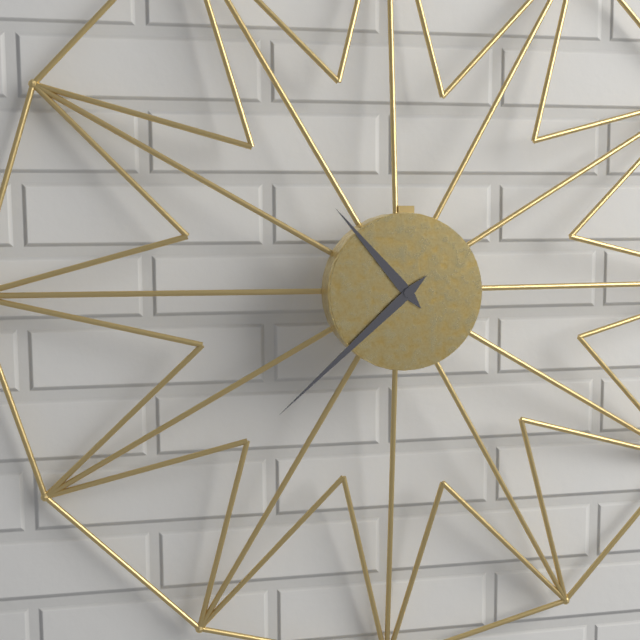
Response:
{"hour": 10, "minute": 38}
